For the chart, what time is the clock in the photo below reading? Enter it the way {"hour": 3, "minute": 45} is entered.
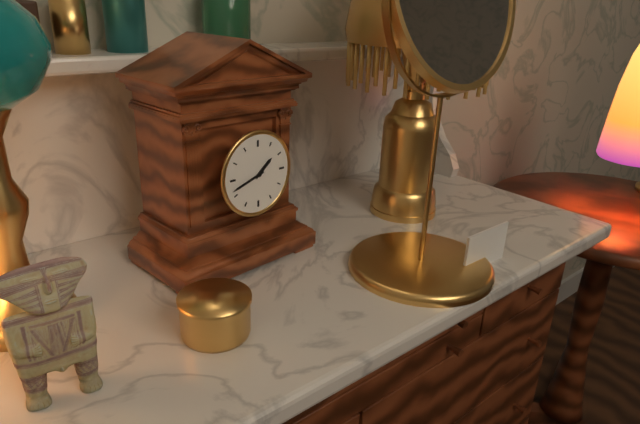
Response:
{"hour": 1, "minute": 42}
